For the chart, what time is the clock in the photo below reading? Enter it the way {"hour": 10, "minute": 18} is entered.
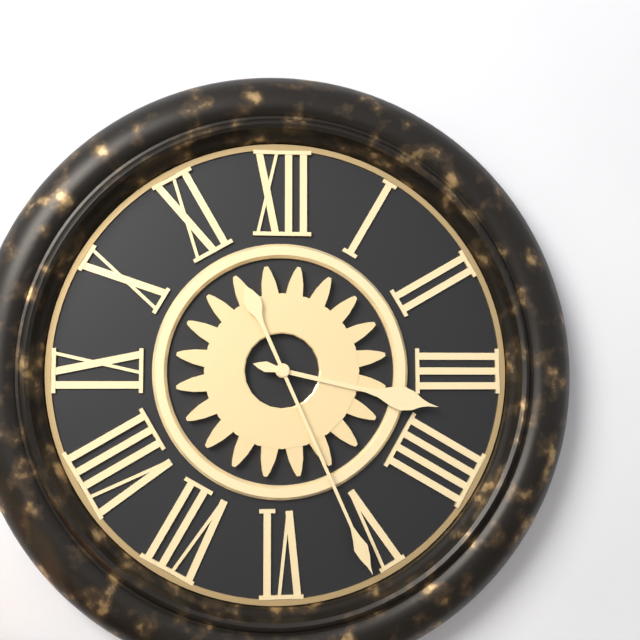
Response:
{"hour": 3, "minute": 26}
